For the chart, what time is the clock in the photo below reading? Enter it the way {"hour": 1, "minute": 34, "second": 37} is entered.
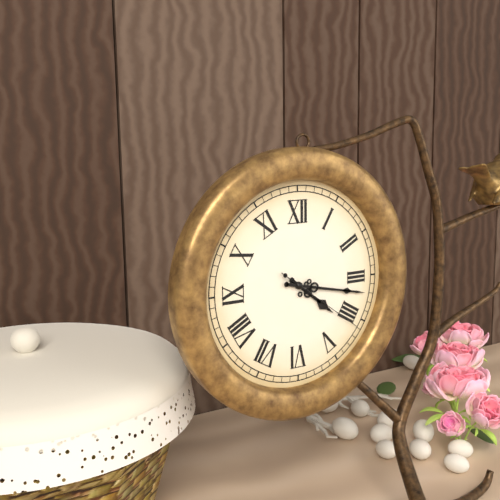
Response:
{"hour": 4, "minute": 17, "second": 21}
